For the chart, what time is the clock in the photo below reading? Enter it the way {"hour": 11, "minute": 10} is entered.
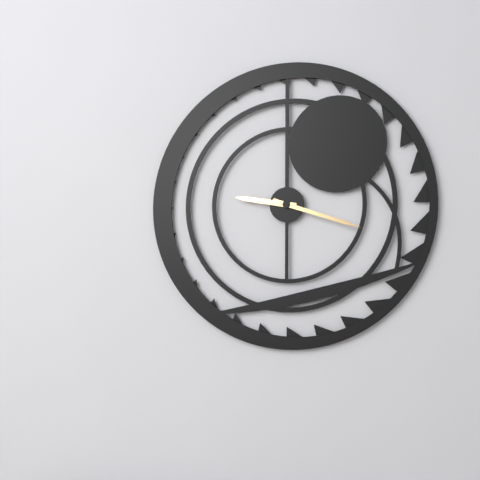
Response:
{"hour": 9, "minute": 18}
